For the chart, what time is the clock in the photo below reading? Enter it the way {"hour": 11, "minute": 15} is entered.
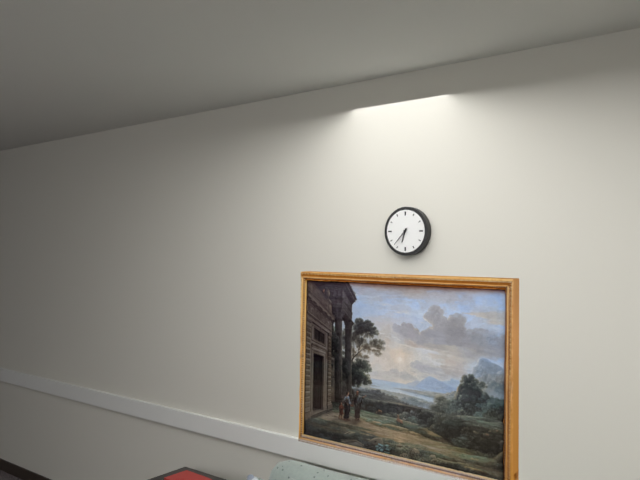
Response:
{"hour": 6, "minute": 37}
